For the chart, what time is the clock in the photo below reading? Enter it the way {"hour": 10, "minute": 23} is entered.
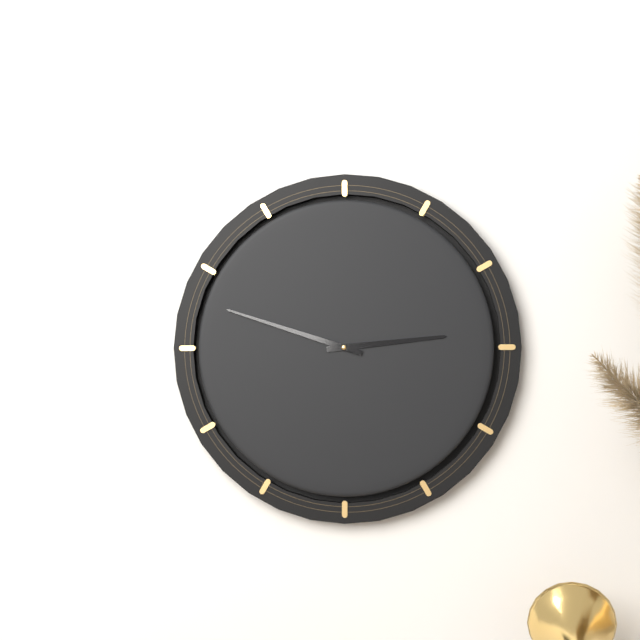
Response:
{"hour": 2, "minute": 48}
